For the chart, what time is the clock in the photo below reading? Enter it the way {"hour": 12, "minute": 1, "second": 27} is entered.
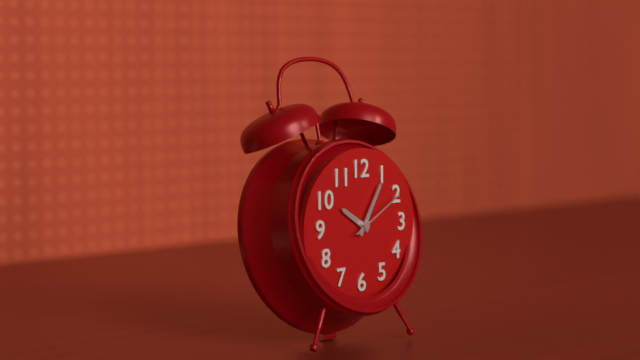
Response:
{"hour": 10, "minute": 5, "second": 10}
